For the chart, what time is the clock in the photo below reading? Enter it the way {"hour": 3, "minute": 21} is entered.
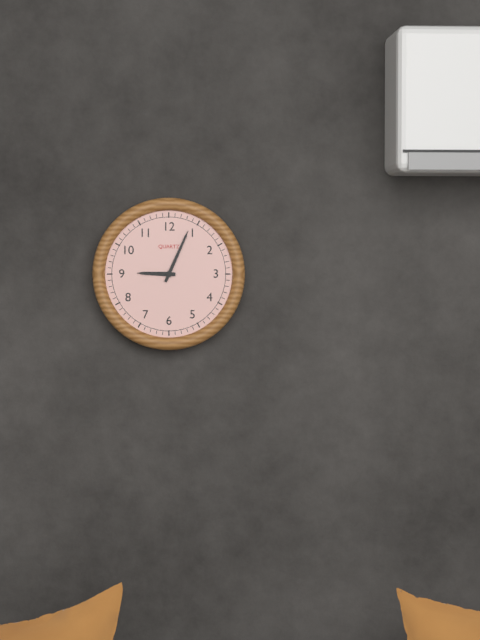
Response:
{"hour": 9, "minute": 4}
